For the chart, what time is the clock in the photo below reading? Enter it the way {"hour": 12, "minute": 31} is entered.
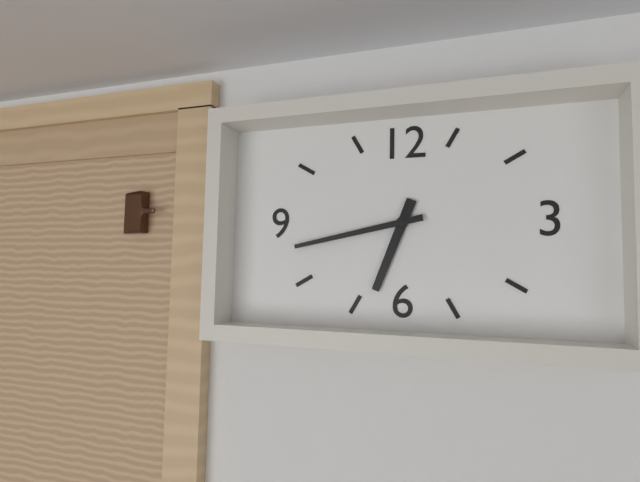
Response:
{"hour": 6, "minute": 43}
